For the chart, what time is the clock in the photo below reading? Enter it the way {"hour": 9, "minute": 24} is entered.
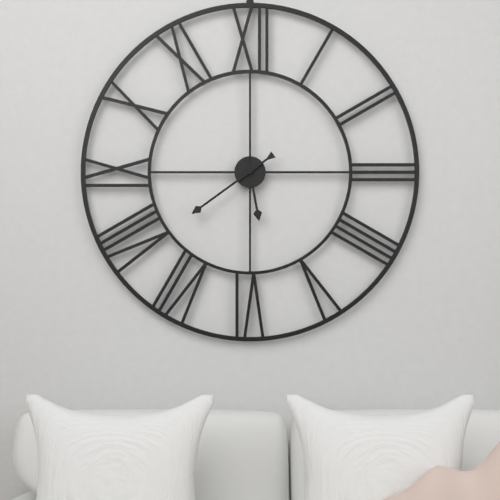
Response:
{"hour": 5, "minute": 39}
